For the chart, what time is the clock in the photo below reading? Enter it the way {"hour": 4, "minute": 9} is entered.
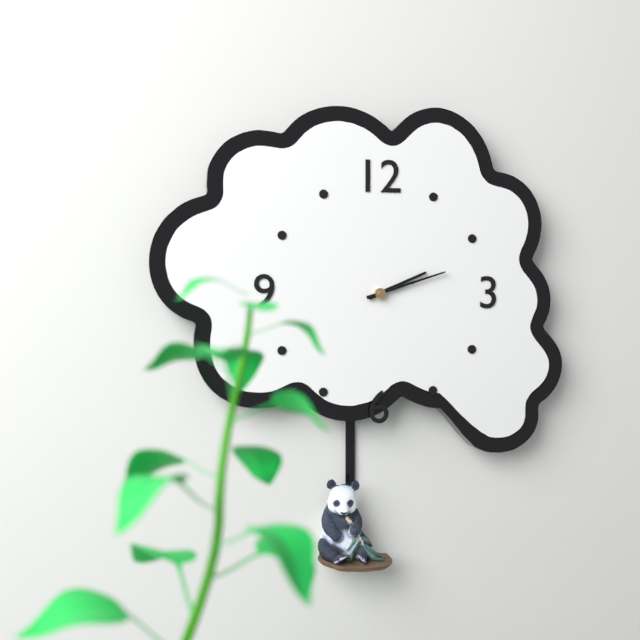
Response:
{"hour": 2, "minute": 12}
